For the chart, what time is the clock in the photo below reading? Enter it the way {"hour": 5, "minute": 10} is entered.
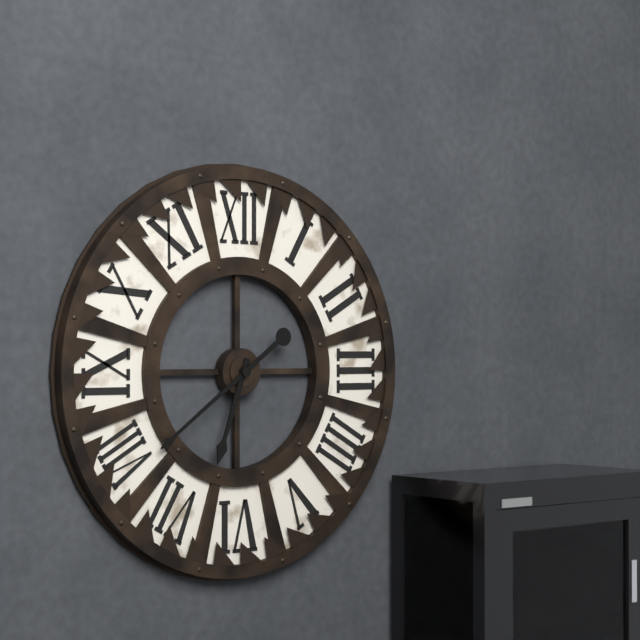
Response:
{"hour": 6, "minute": 39}
